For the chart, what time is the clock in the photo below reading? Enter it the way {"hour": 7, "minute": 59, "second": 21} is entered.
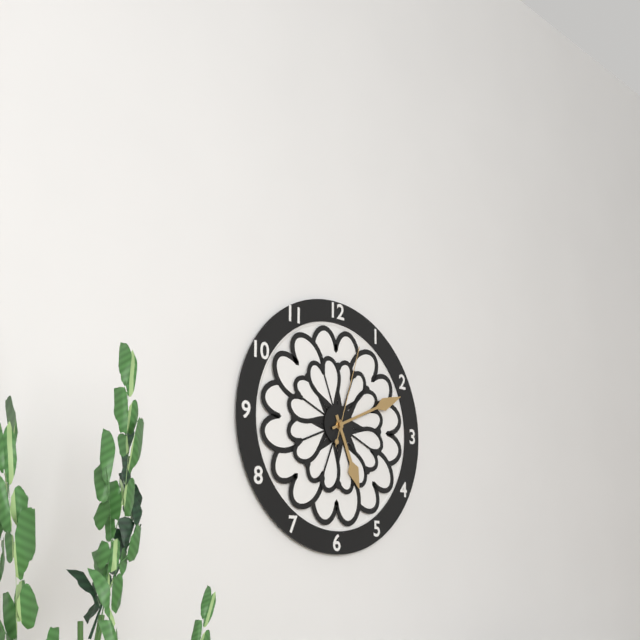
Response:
{"hour": 5, "minute": 11, "second": 3}
